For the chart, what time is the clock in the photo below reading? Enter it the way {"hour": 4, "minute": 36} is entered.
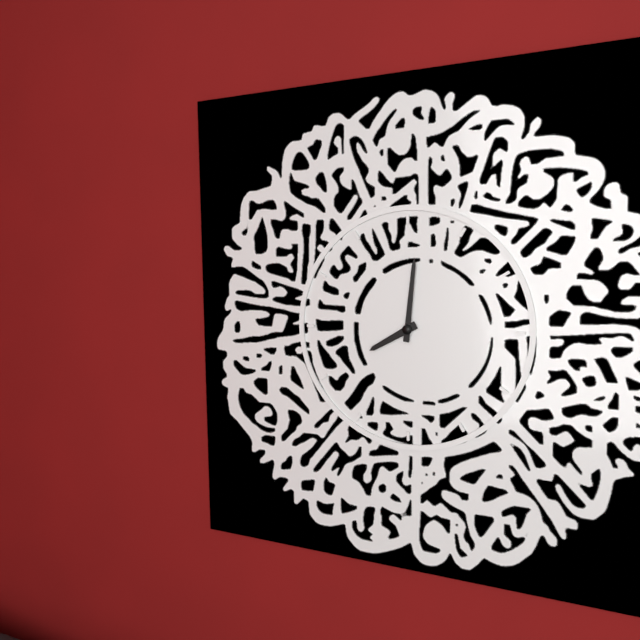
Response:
{"hour": 8, "minute": 1}
